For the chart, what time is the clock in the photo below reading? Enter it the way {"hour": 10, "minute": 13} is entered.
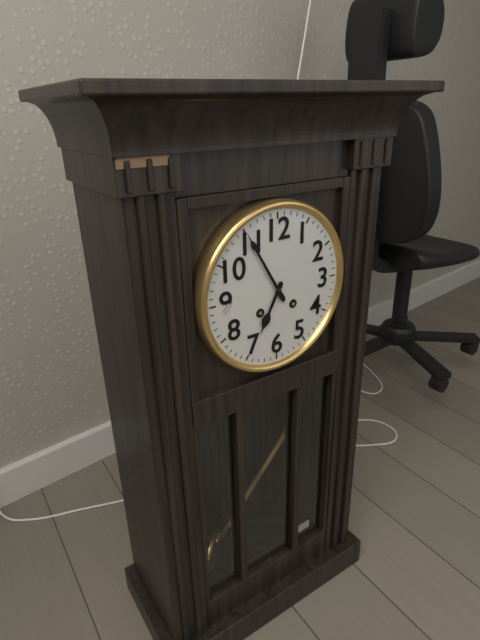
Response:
{"hour": 6, "minute": 55}
